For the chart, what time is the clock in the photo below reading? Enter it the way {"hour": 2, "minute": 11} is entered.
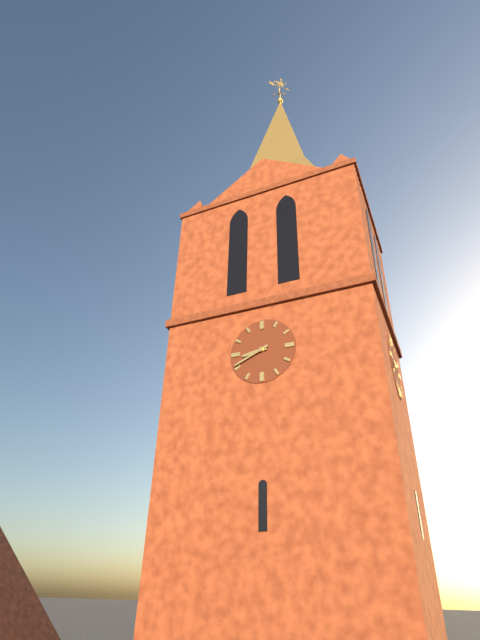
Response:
{"hour": 8, "minute": 41}
